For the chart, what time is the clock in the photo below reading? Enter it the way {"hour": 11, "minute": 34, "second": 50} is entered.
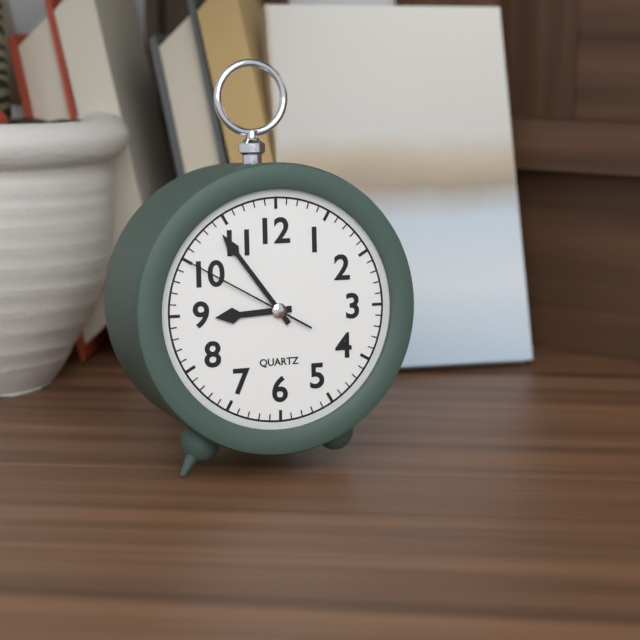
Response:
{"hour": 8, "minute": 54, "second": 50}
